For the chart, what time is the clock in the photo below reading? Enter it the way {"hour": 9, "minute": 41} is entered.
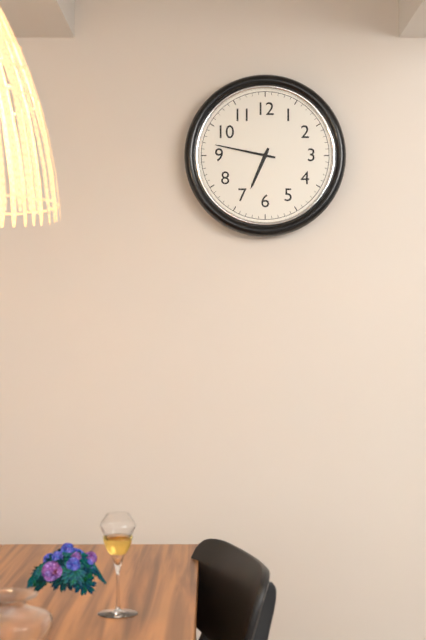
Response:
{"hour": 6, "minute": 47}
